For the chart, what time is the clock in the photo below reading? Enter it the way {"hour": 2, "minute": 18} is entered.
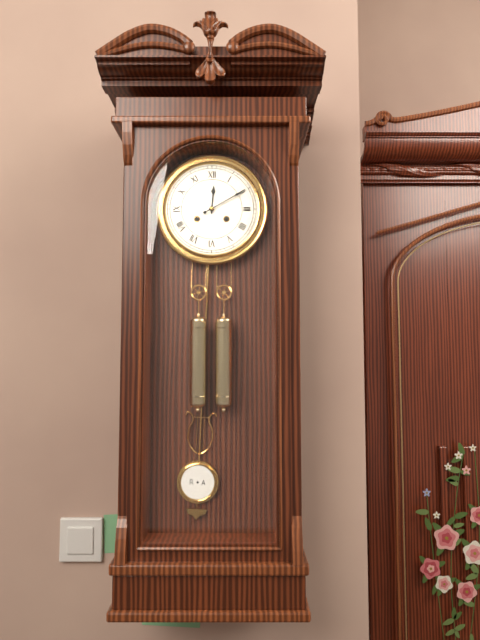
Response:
{"hour": 12, "minute": 10}
